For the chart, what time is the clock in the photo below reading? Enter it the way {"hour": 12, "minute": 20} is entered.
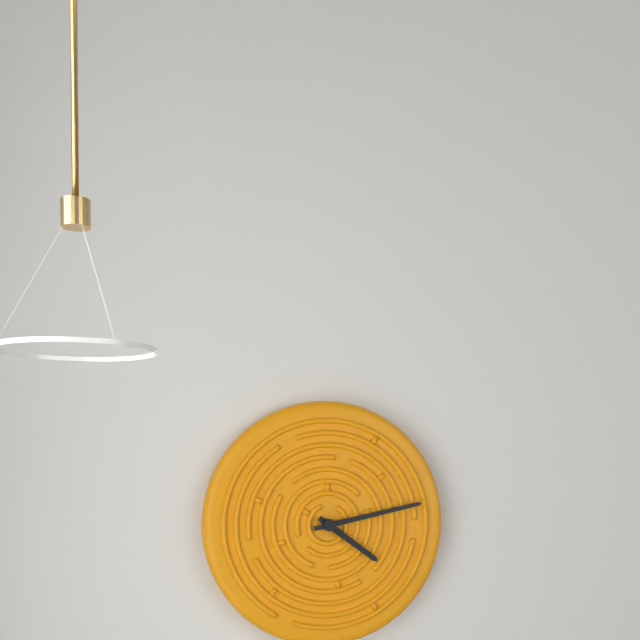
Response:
{"hour": 4, "minute": 13}
